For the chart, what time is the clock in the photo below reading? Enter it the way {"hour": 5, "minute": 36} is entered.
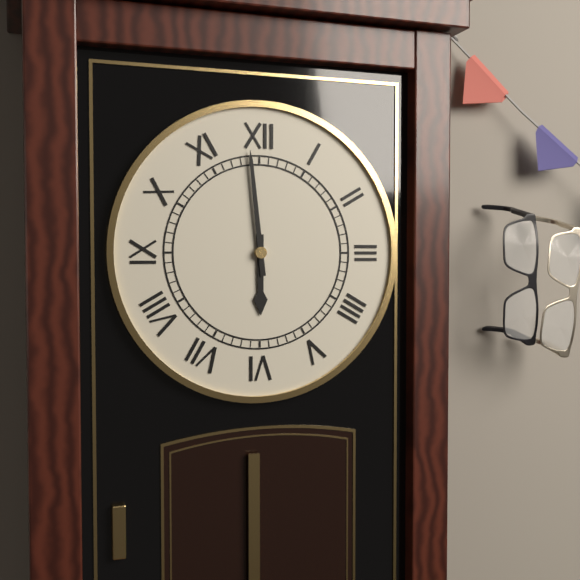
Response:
{"hour": 5, "minute": 59}
